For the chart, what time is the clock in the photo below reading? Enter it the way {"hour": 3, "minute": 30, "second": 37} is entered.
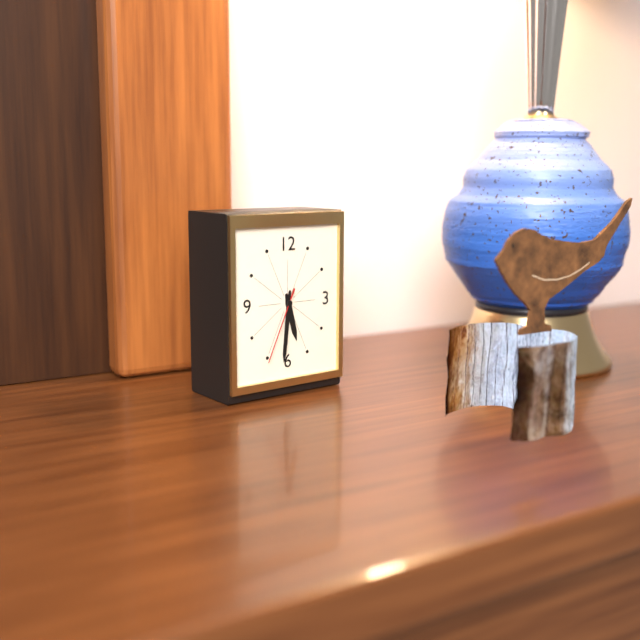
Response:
{"hour": 5, "minute": 31, "second": 34}
